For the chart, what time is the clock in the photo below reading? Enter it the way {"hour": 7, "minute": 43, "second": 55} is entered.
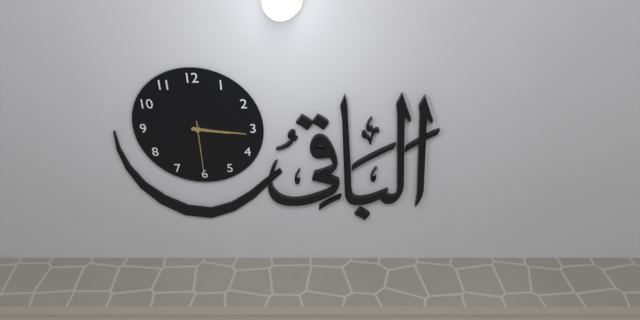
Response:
{"hour": 3, "minute": 16, "second": 30}
